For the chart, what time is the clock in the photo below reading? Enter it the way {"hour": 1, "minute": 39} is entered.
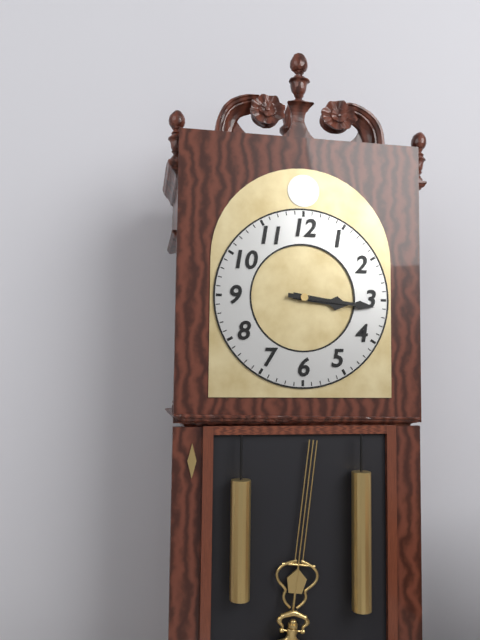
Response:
{"hour": 3, "minute": 16}
